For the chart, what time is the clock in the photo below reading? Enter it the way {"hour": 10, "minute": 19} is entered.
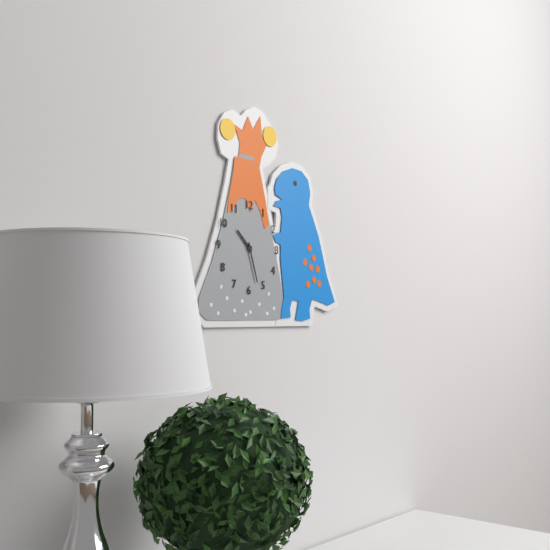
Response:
{"hour": 10, "minute": 27}
